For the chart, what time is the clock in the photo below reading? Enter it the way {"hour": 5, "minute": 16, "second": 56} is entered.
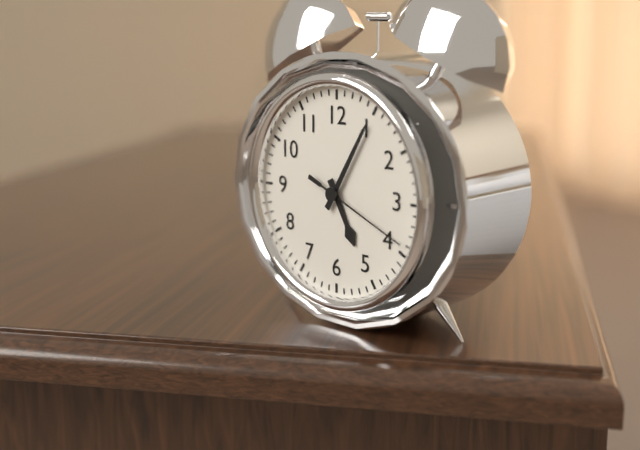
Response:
{"hour": 5, "minute": 5, "second": 19}
